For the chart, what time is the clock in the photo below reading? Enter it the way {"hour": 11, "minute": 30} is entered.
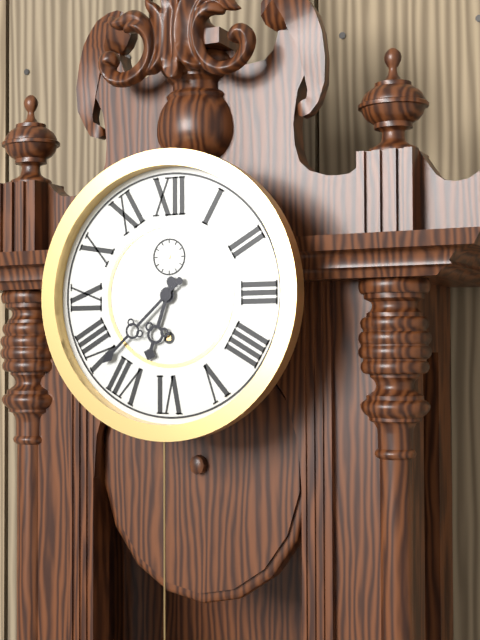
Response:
{"hour": 6, "minute": 38}
